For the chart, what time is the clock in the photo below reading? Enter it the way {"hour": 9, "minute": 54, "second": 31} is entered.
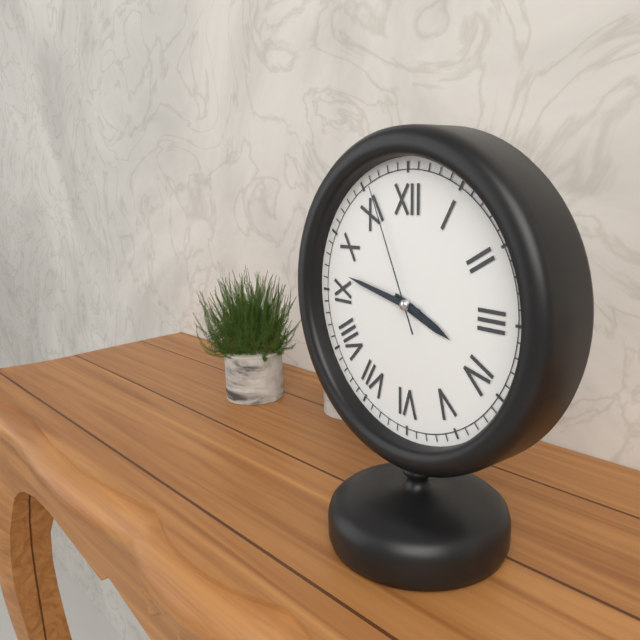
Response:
{"hour": 3, "minute": 47, "second": 56}
